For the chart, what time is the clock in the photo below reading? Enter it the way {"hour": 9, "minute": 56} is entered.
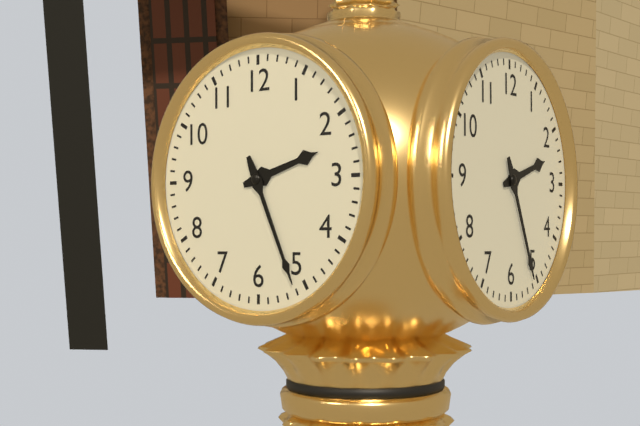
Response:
{"hour": 2, "minute": 26}
